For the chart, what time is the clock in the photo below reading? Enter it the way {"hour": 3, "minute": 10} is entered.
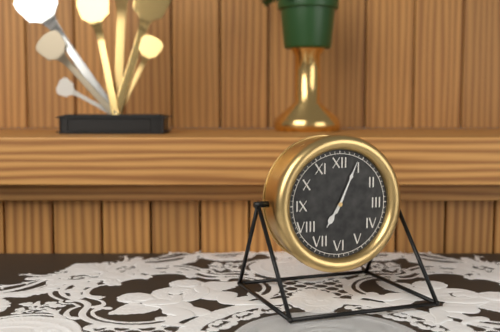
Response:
{"hour": 7, "minute": 4}
